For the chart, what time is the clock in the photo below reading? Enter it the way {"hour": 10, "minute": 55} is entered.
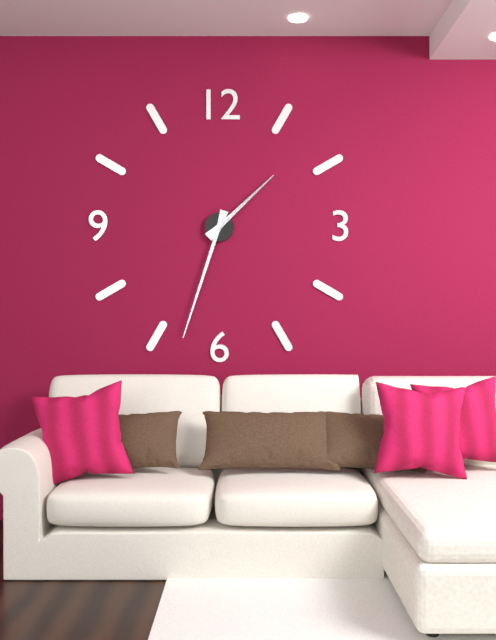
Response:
{"hour": 1, "minute": 33}
